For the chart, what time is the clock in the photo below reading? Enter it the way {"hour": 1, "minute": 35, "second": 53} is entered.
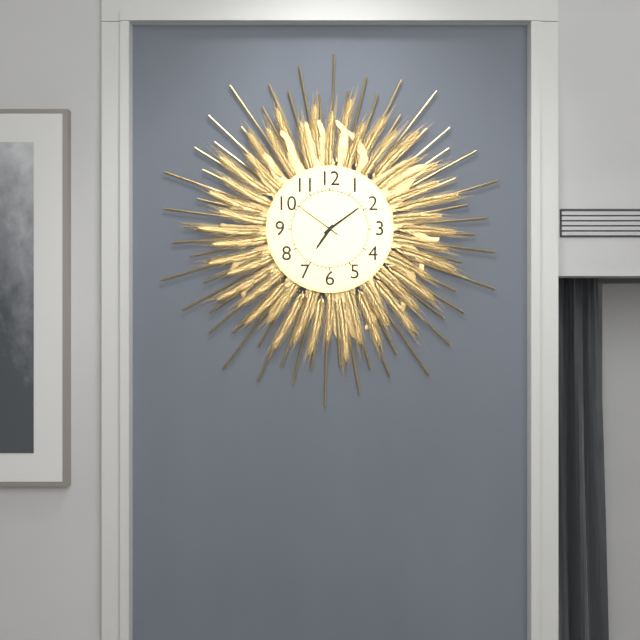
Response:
{"hour": 7, "minute": 9, "second": 51}
